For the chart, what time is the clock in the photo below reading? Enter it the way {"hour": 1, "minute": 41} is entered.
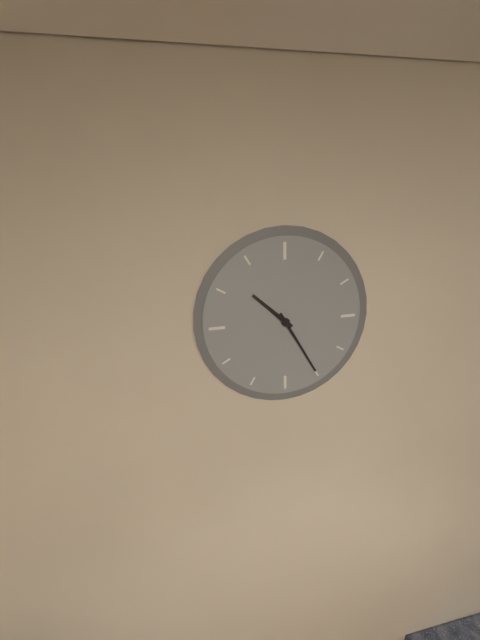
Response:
{"hour": 10, "minute": 25}
